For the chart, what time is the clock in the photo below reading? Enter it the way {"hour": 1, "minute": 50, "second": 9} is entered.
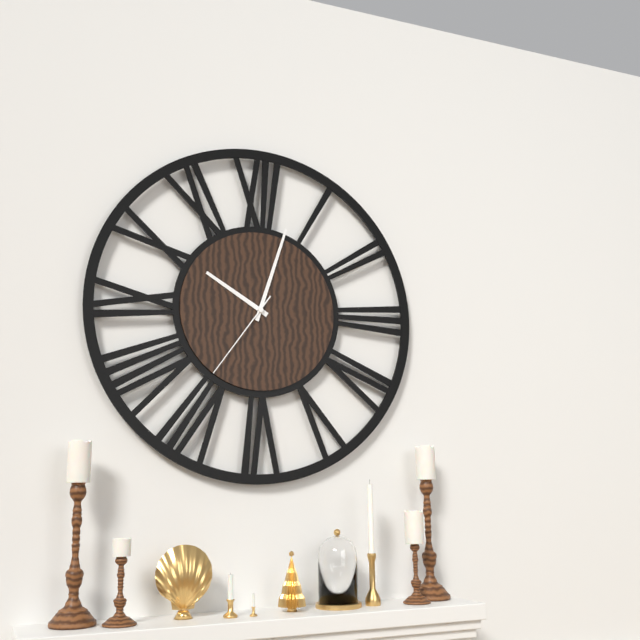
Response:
{"hour": 10, "minute": 3, "second": 36}
